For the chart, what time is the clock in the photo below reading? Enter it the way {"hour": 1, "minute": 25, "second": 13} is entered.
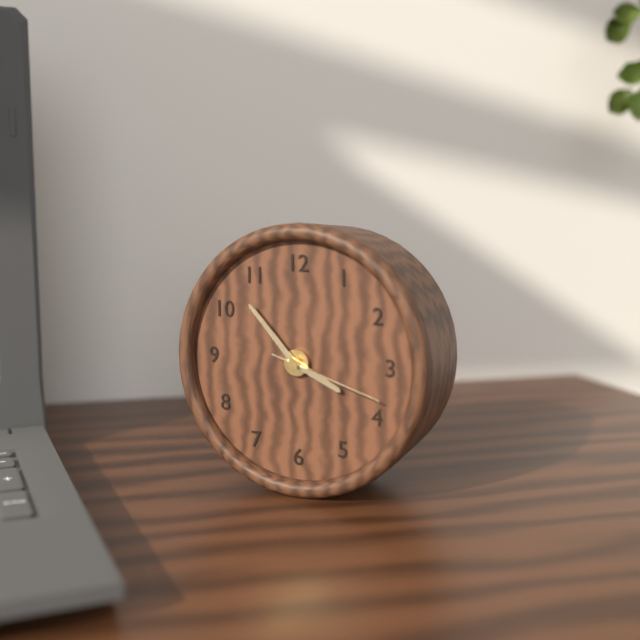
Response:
{"hour": 3, "minute": 53, "second": 18}
